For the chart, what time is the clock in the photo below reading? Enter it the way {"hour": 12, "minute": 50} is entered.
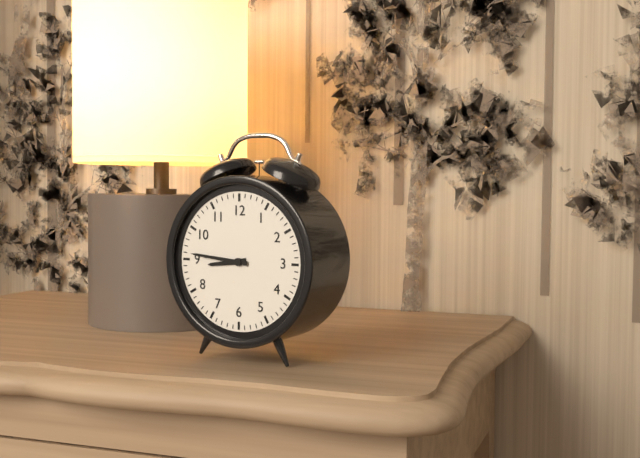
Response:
{"hour": 8, "minute": 46}
